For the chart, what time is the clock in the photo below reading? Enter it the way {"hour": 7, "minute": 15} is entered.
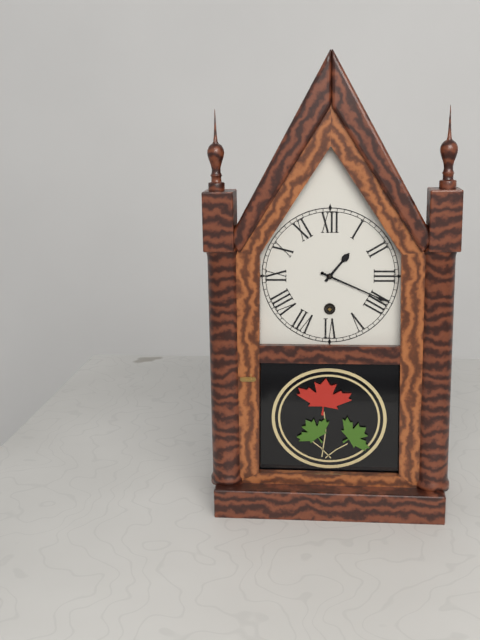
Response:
{"hour": 1, "minute": 19}
